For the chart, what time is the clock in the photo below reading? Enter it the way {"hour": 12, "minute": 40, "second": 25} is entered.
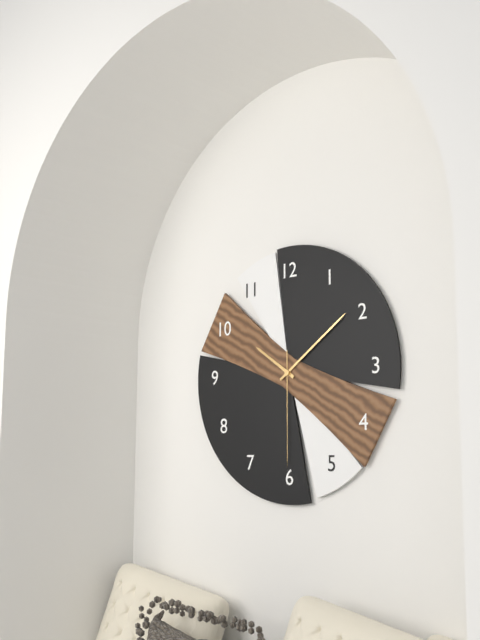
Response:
{"hour": 10, "minute": 9, "second": 30}
